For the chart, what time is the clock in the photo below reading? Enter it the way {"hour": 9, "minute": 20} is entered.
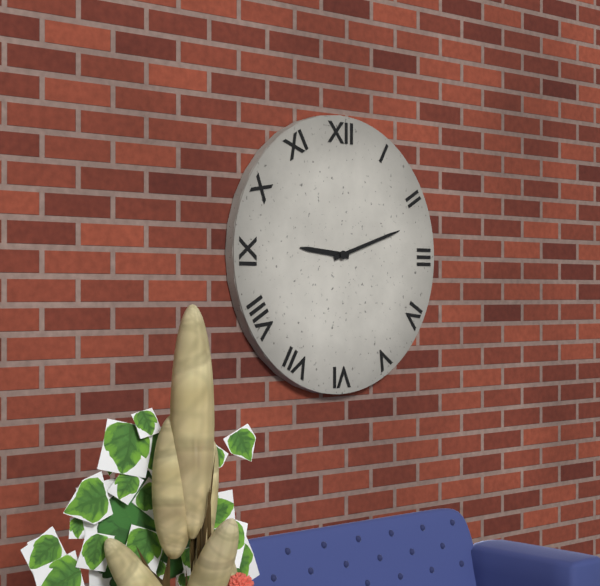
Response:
{"hour": 9, "minute": 12}
